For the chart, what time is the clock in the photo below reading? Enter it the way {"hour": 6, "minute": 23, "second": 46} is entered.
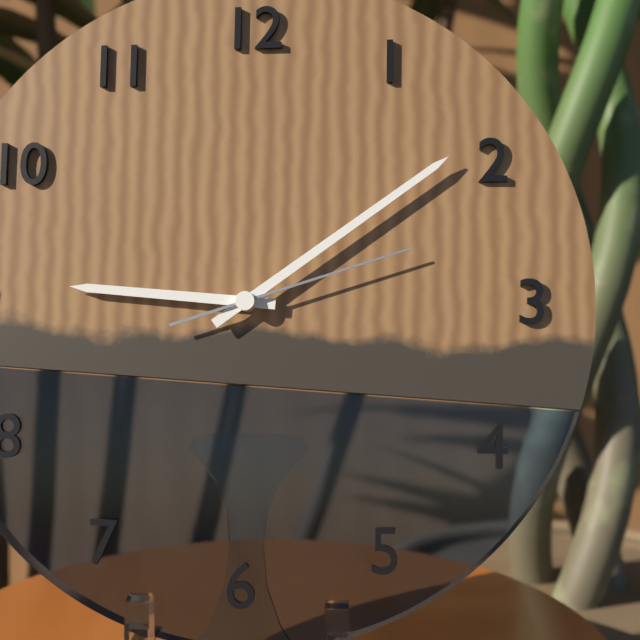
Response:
{"hour": 9, "minute": 9, "second": 12}
